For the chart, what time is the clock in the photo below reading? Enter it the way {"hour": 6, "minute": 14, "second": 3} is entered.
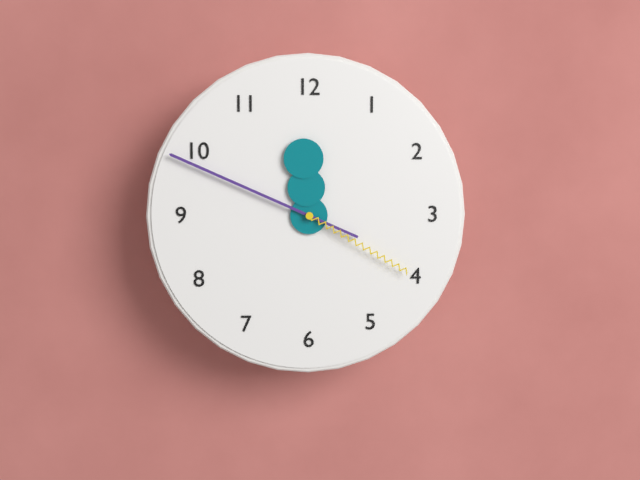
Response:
{"hour": 11, "minute": 49, "second": 20}
